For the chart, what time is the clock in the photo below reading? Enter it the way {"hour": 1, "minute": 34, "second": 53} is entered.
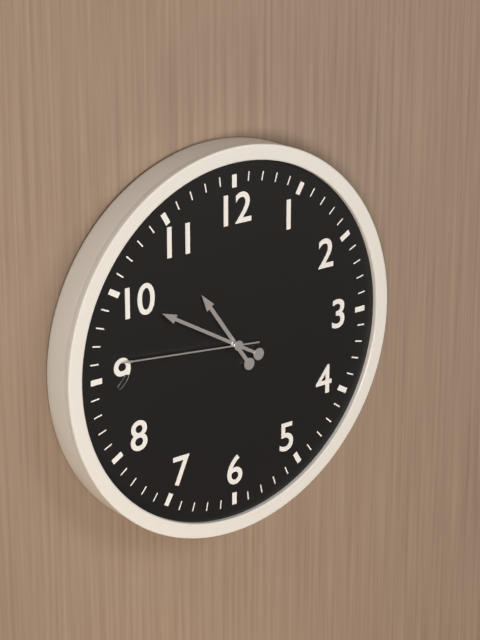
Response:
{"hour": 10, "minute": 50, "second": 46}
